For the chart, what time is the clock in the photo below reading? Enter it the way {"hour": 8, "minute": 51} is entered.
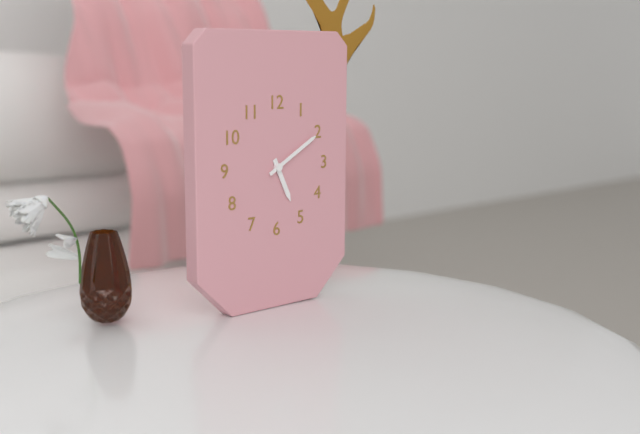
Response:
{"hour": 5, "minute": 10}
